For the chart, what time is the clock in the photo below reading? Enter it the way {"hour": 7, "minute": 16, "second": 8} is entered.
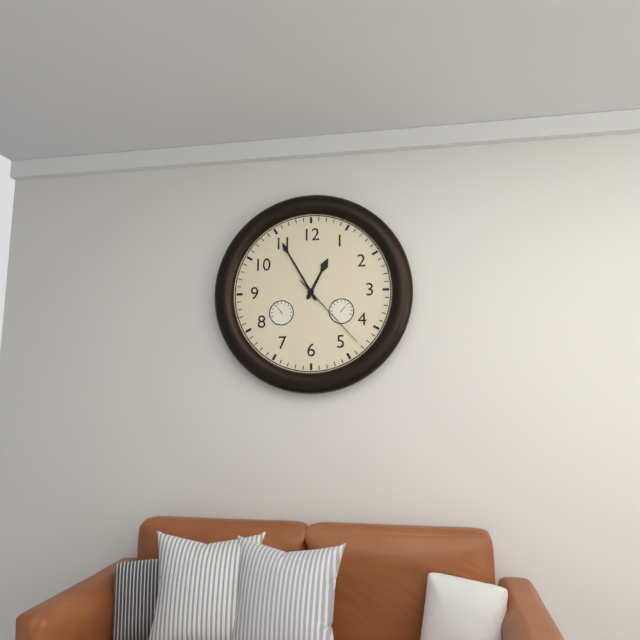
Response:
{"hour": 12, "minute": 55, "second": 23}
